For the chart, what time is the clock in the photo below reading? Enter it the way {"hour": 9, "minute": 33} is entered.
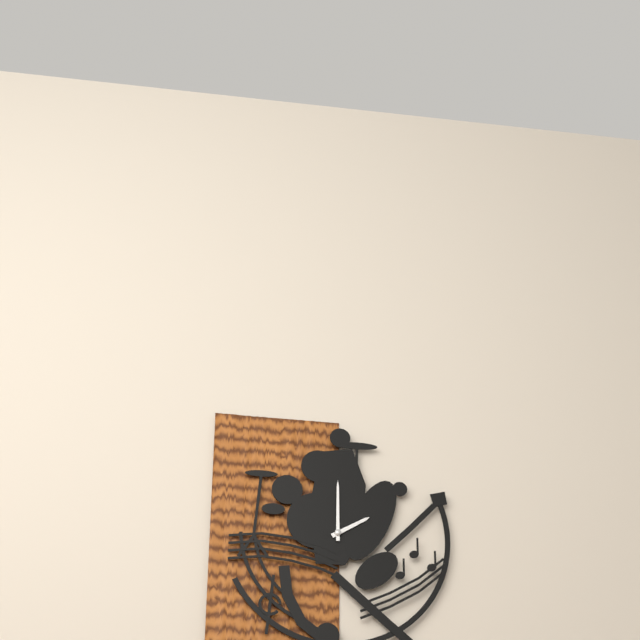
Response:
{"hour": 2, "minute": 0}
